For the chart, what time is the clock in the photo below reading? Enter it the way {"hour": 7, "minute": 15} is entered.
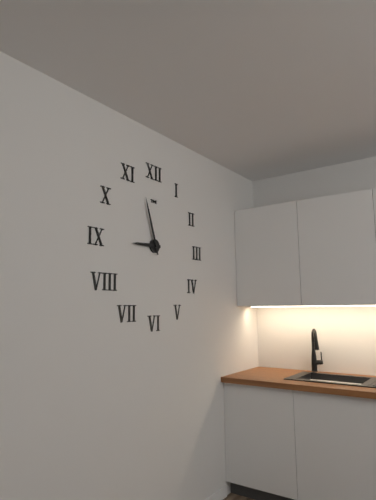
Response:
{"hour": 8, "minute": 57}
